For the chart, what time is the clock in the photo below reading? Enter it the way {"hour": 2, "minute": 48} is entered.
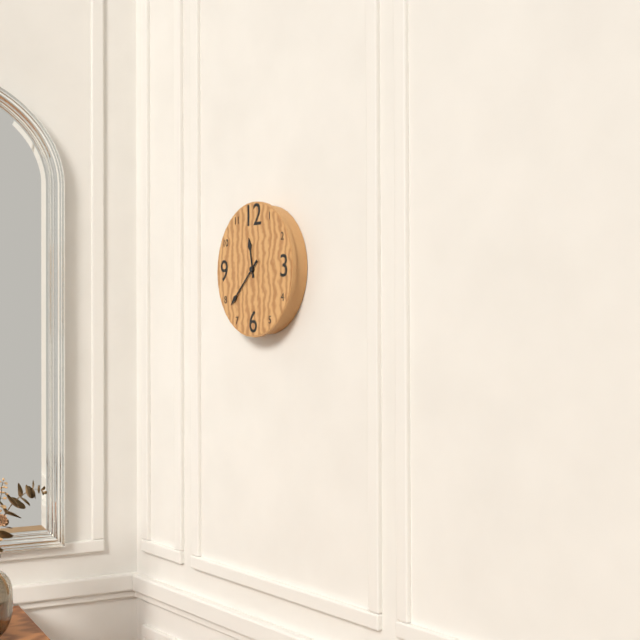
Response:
{"hour": 11, "minute": 38}
